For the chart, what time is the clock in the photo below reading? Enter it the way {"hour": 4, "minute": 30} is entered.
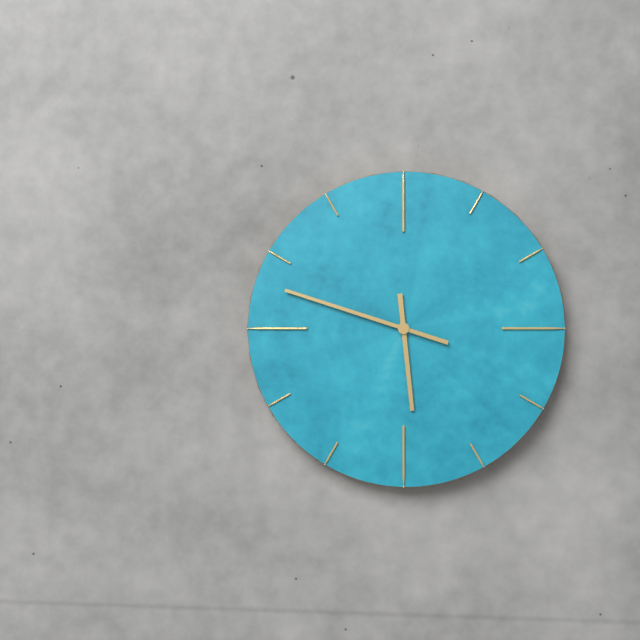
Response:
{"hour": 5, "minute": 48}
